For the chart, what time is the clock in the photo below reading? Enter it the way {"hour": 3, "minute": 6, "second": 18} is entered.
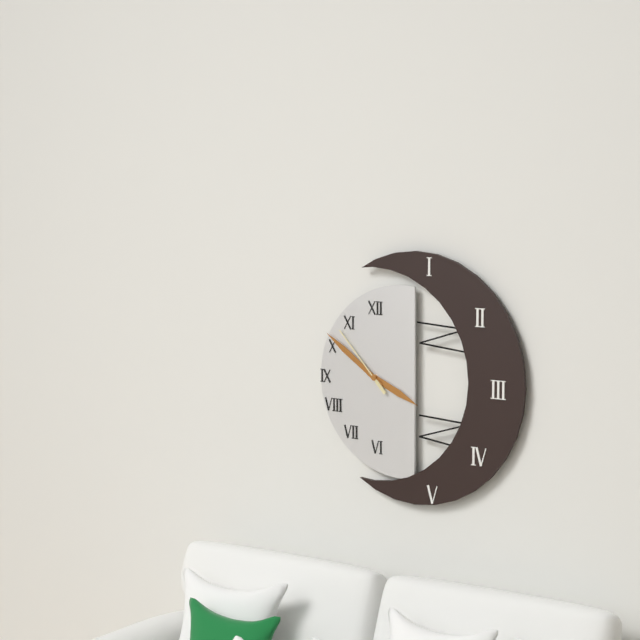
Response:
{"hour": 3, "minute": 51, "second": 53}
